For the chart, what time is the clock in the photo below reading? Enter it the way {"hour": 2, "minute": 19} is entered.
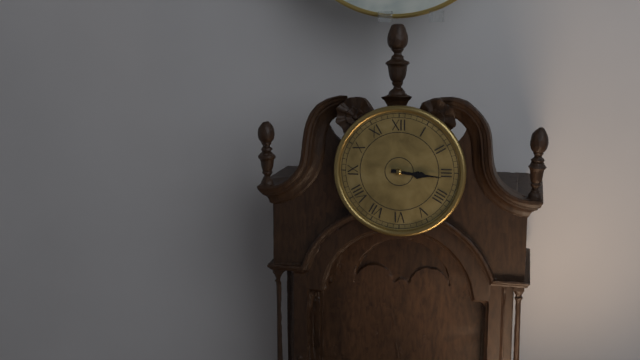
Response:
{"hour": 3, "minute": 16}
